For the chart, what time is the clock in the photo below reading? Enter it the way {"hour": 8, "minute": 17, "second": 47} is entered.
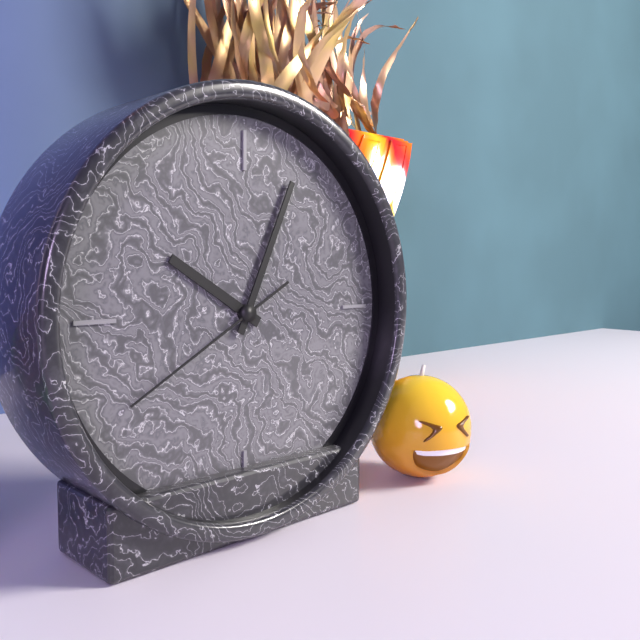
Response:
{"hour": 10, "minute": 4, "second": 40}
